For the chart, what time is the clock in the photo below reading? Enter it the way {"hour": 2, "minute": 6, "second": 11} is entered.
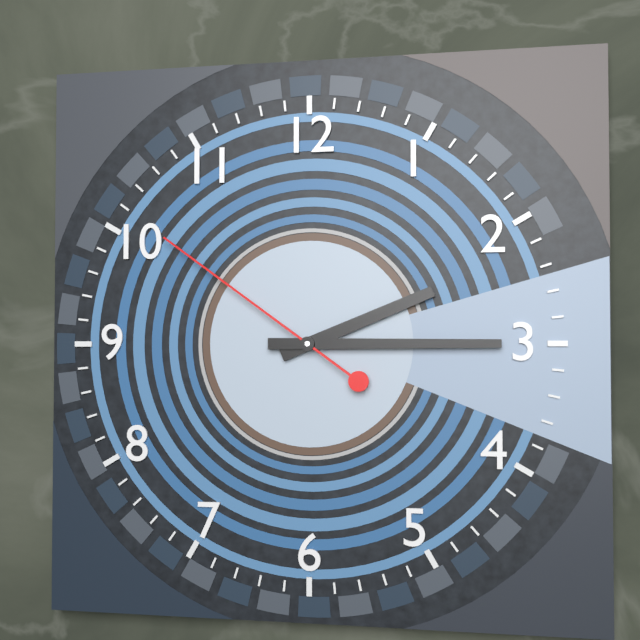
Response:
{"hour": 2, "minute": 15, "second": 51}
